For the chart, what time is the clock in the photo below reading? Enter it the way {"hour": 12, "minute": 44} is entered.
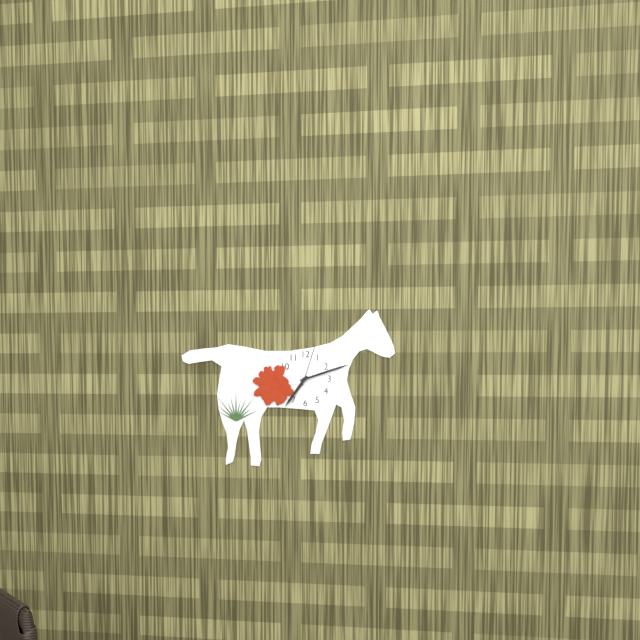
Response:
{"hour": 7, "minute": 12}
